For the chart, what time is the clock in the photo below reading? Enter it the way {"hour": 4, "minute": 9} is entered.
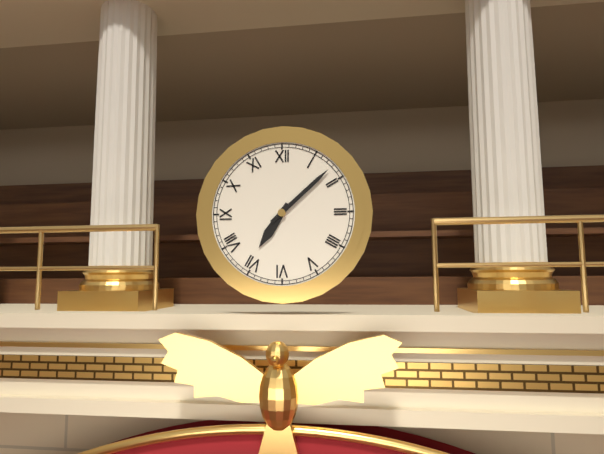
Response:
{"hour": 7, "minute": 8}
